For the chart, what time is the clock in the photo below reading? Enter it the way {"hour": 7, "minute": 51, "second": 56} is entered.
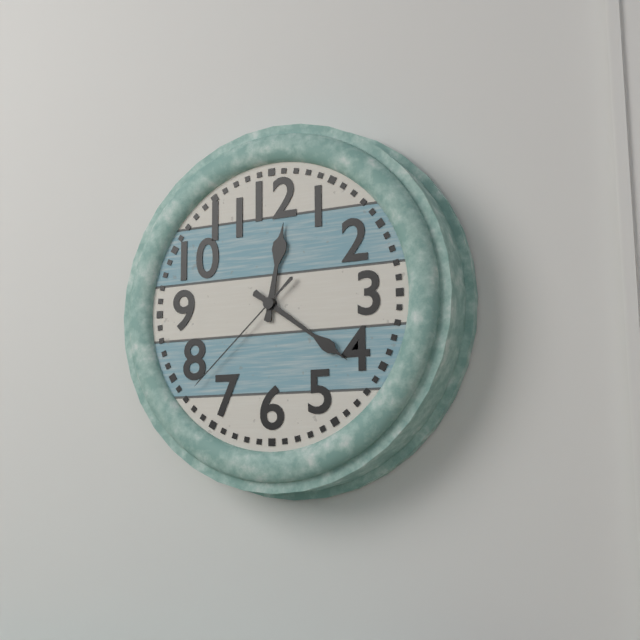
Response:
{"hour": 12, "minute": 21, "second": 38}
